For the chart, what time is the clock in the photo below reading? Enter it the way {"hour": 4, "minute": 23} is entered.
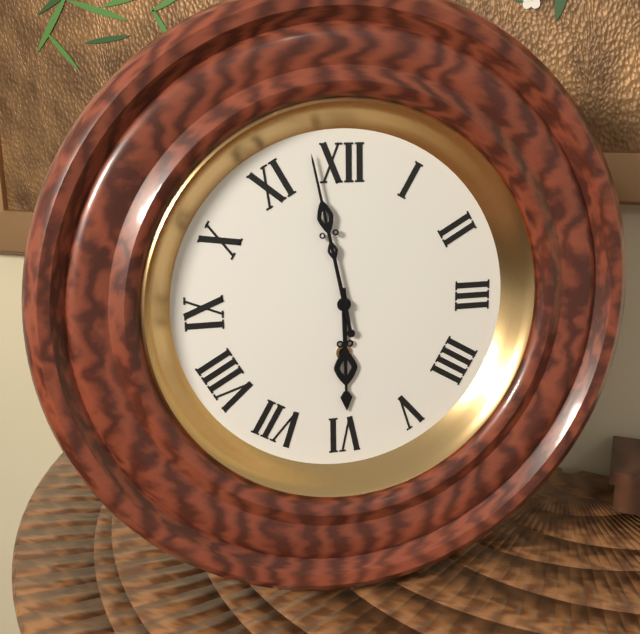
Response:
{"hour": 5, "minute": 58}
